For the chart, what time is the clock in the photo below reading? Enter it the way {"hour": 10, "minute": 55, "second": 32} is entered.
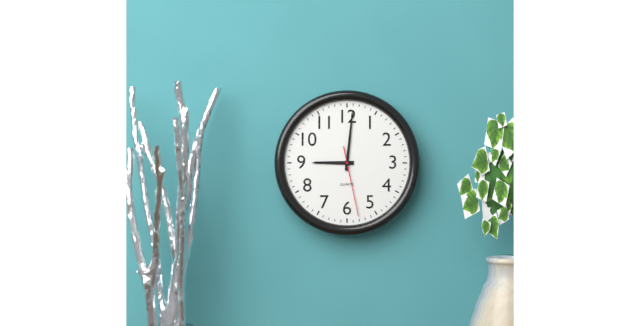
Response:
{"hour": 9, "minute": 1, "second": 28}
